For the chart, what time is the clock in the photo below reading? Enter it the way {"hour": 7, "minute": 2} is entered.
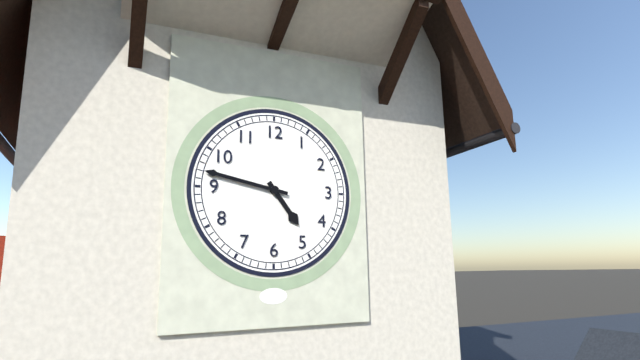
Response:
{"hour": 4, "minute": 47}
